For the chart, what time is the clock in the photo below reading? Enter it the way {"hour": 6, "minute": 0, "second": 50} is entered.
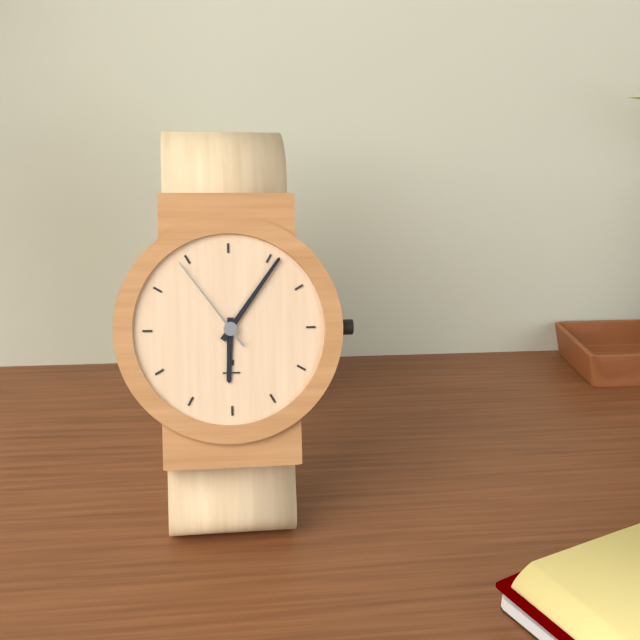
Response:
{"hour": 6, "minute": 6, "second": 54}
